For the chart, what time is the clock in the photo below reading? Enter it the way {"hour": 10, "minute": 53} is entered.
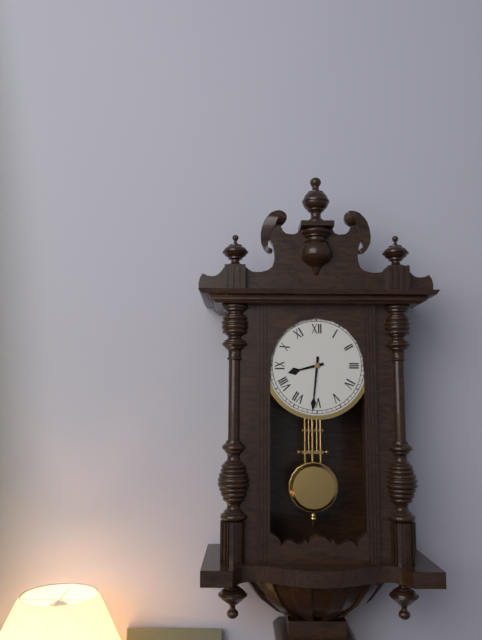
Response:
{"hour": 8, "minute": 31}
